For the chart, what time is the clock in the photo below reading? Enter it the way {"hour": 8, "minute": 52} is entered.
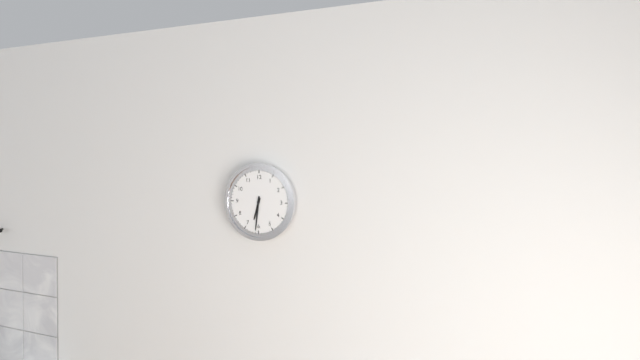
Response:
{"hour": 6, "minute": 31}
